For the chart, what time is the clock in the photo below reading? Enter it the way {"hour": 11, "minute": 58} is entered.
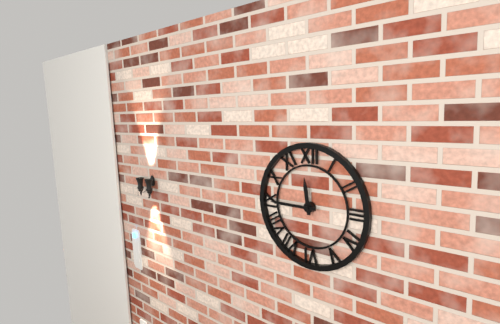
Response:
{"hour": 11, "minute": 45}
